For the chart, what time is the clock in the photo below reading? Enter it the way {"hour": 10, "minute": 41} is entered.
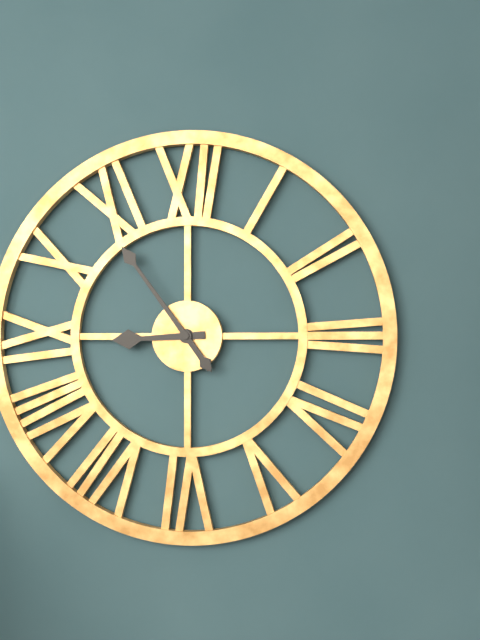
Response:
{"hour": 8, "minute": 54}
